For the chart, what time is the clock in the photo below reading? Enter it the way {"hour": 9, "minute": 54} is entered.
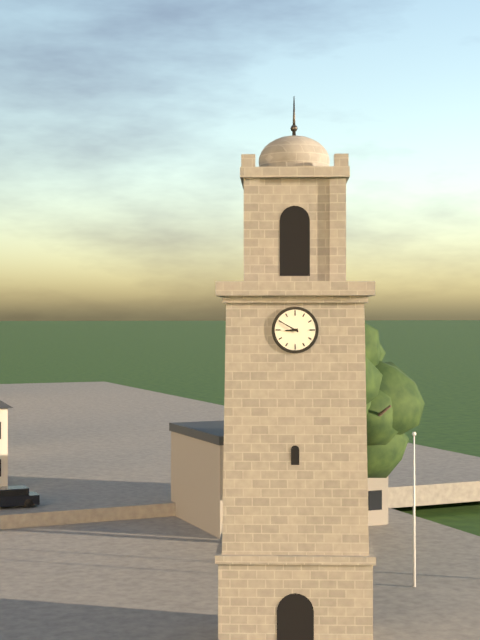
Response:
{"hour": 8, "minute": 50}
